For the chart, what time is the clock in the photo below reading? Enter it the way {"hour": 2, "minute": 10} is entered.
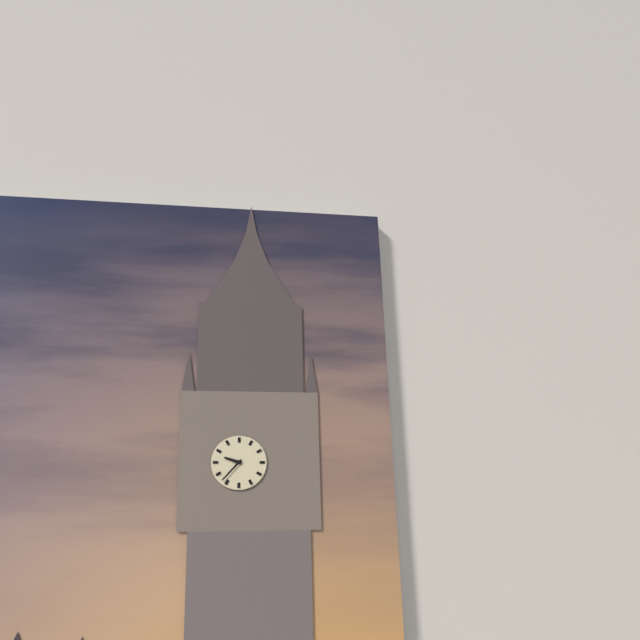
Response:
{"hour": 9, "minute": 37}
